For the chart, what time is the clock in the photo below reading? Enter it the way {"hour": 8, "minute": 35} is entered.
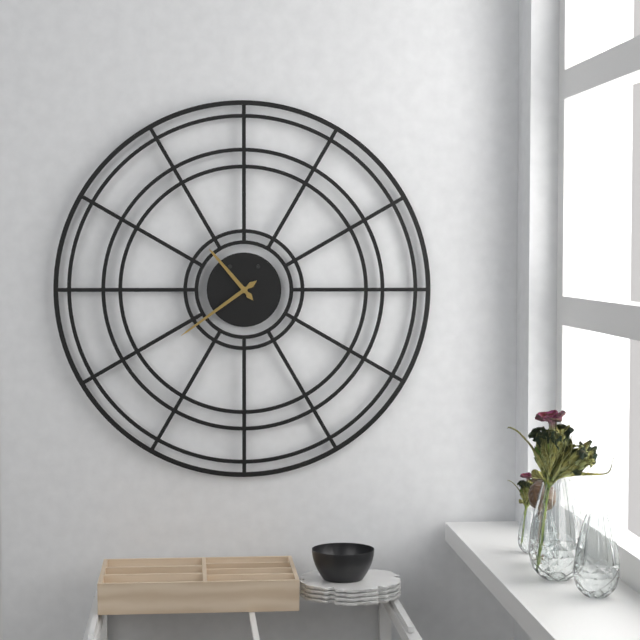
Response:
{"hour": 10, "minute": 39}
